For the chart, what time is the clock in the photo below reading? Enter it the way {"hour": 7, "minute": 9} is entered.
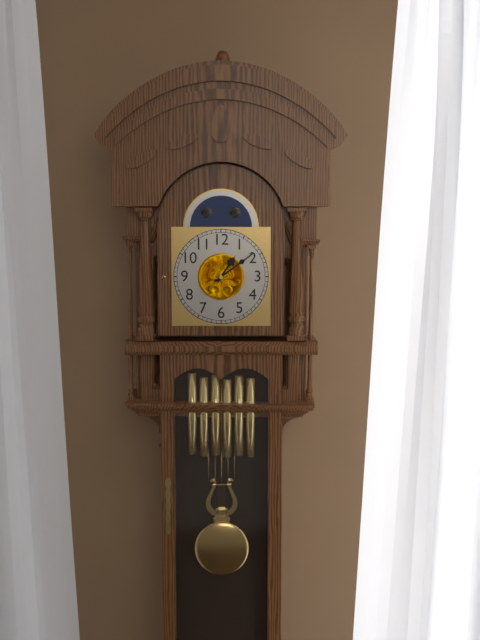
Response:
{"hour": 1, "minute": 9}
